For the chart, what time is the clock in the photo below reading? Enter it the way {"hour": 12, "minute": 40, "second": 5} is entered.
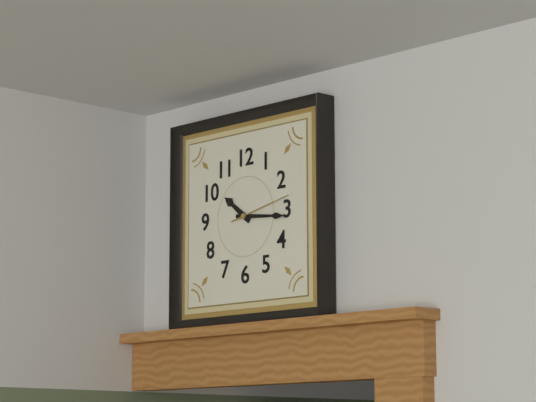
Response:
{"hour": 10, "minute": 16, "second": 13}
